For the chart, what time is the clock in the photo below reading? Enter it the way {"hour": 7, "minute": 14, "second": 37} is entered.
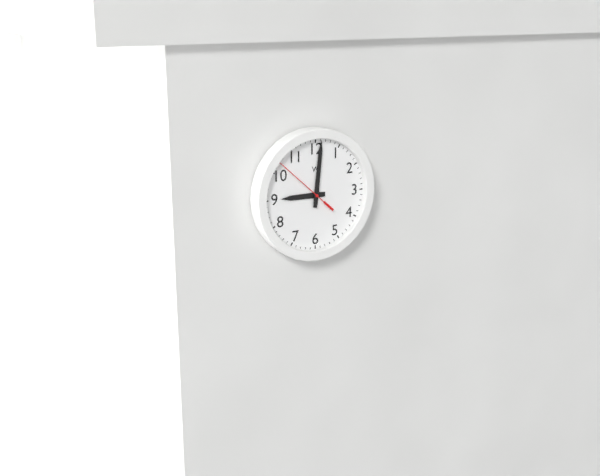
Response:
{"hour": 9, "minute": 1, "second": 52}
